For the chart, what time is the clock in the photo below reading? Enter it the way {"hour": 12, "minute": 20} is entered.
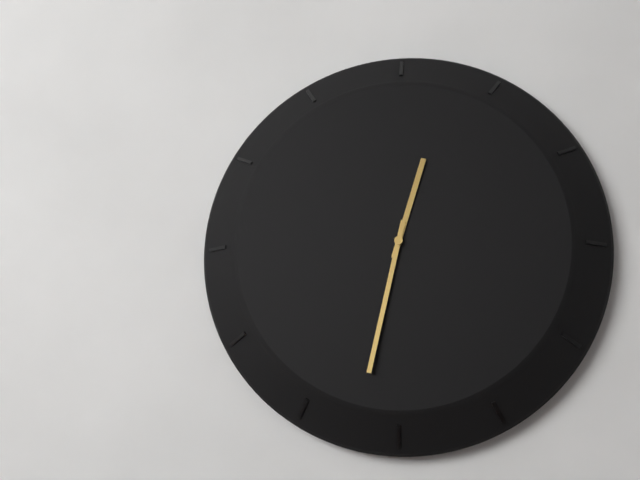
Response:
{"hour": 12, "minute": 32}
